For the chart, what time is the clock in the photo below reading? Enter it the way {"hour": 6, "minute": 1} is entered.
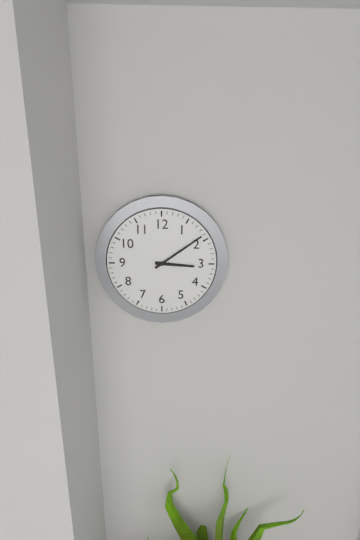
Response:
{"hour": 3, "minute": 9}
